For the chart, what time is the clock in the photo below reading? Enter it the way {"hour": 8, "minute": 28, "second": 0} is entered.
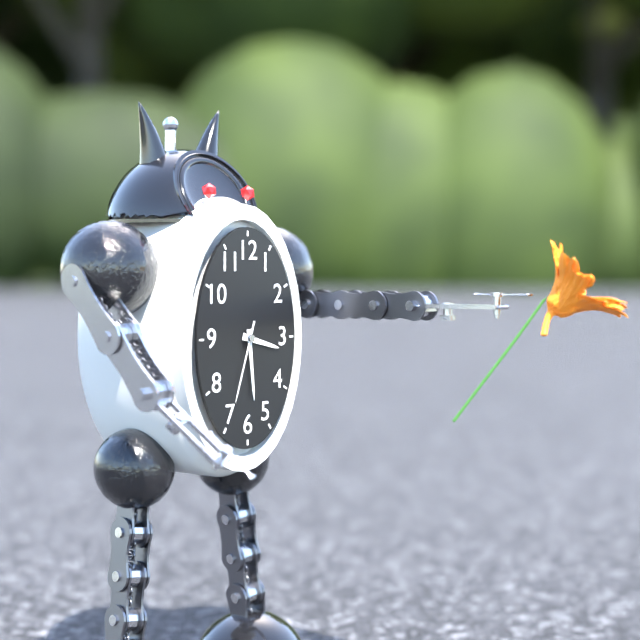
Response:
{"hour": 3, "minute": 29, "second": 33}
